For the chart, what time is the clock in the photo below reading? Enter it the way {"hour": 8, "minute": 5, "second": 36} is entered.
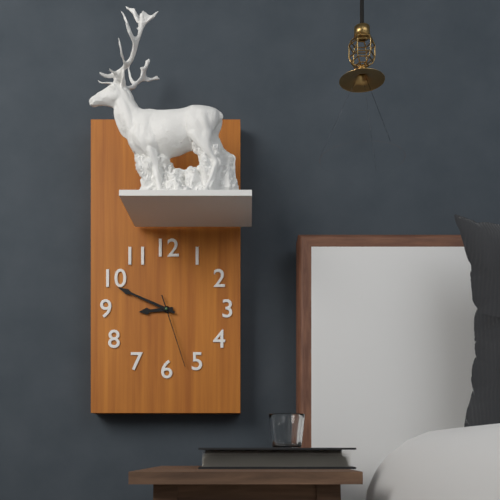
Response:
{"hour": 8, "minute": 49, "second": 27}
